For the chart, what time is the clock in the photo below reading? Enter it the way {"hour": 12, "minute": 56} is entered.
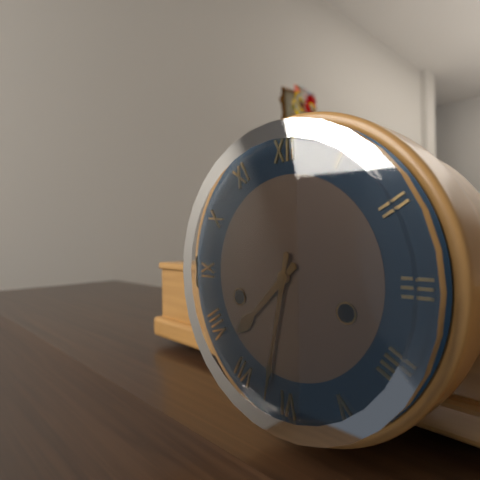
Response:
{"hour": 7, "minute": 32}
